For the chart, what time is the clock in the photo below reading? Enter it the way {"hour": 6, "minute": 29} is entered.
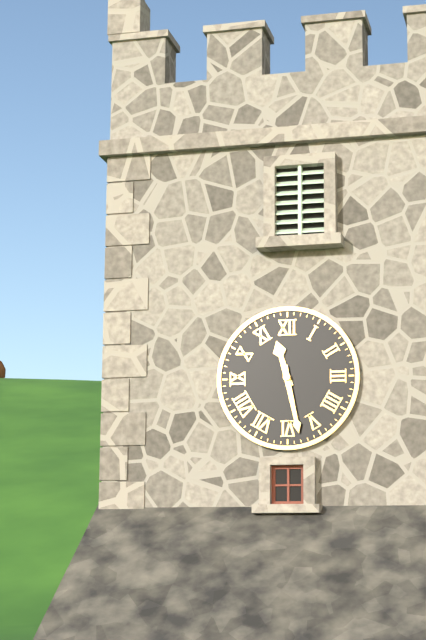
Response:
{"hour": 11, "minute": 28}
